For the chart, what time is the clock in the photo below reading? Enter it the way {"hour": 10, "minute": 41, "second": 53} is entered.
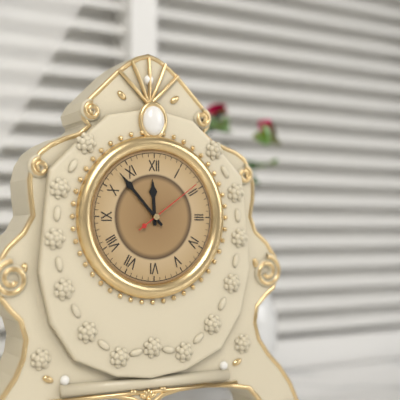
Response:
{"hour": 11, "minute": 53, "second": 9}
